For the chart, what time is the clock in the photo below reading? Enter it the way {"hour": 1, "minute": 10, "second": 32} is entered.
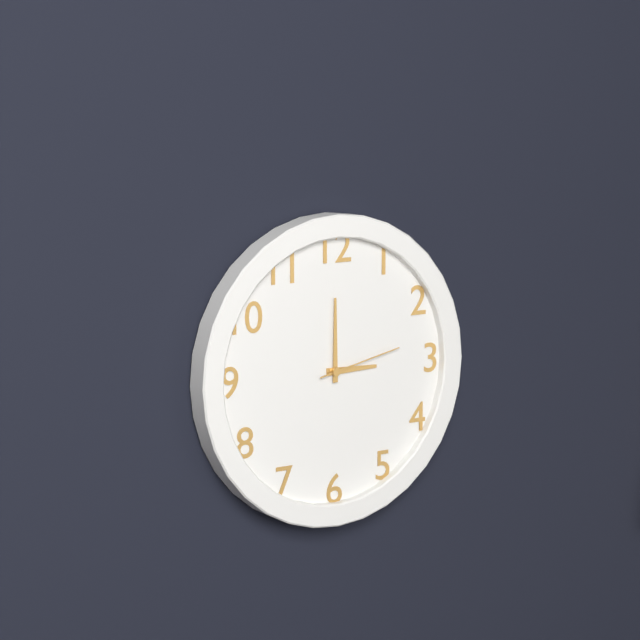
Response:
{"hour": 3, "minute": 0, "second": 13}
